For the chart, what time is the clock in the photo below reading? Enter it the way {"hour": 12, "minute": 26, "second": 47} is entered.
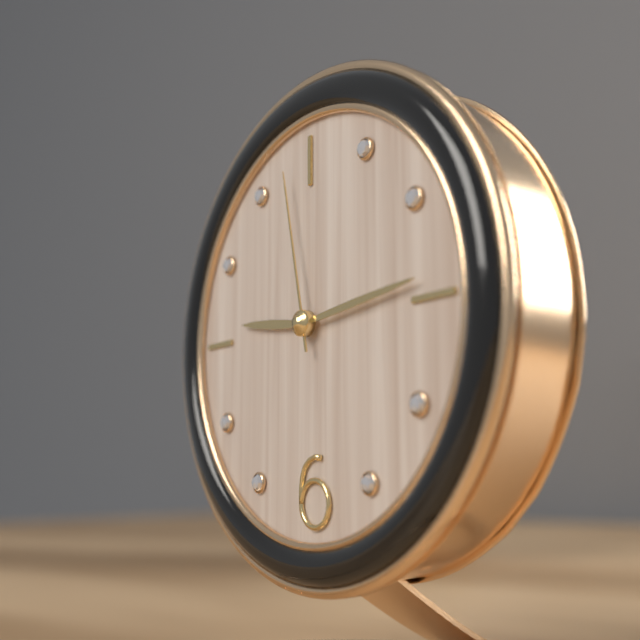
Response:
{"hour": 9, "minute": 14, "second": 58}
